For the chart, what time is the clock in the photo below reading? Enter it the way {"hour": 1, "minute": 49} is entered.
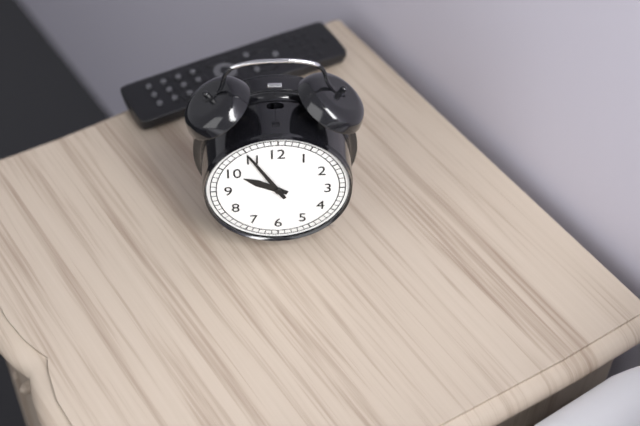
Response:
{"hour": 9, "minute": 55}
